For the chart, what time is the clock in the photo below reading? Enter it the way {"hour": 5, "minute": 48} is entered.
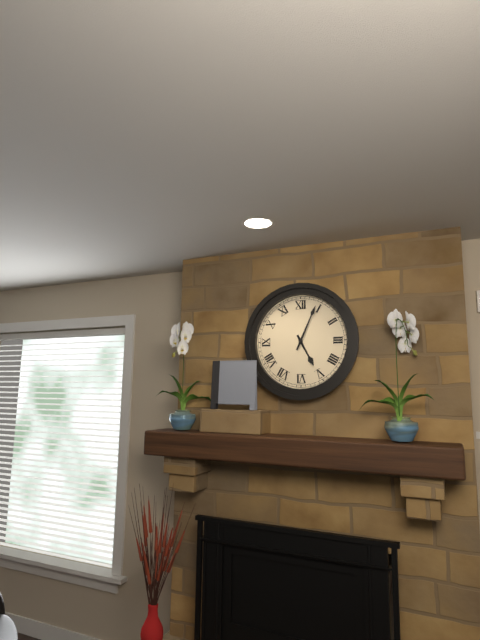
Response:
{"hour": 5, "minute": 4}
